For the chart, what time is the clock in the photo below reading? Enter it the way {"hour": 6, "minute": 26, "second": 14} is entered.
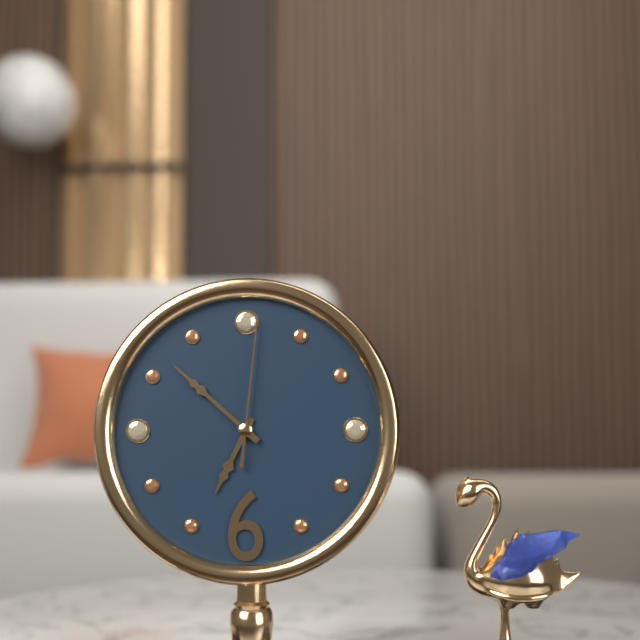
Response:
{"hour": 6, "minute": 52, "second": 1}
